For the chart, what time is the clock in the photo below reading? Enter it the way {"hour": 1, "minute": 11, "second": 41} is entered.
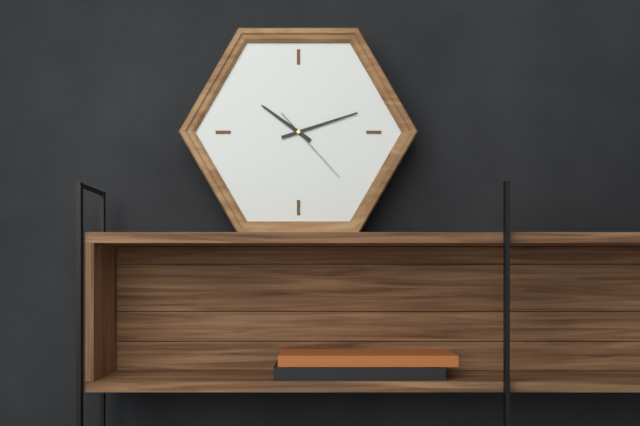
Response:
{"hour": 10, "minute": 12, "second": 23}
